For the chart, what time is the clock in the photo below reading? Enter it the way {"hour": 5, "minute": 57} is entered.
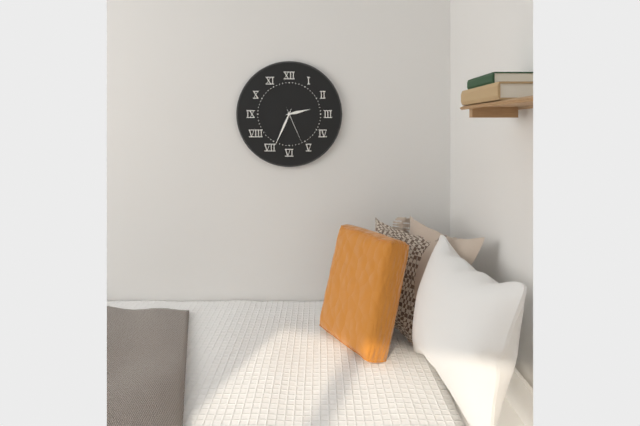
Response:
{"hour": 2, "minute": 34}
